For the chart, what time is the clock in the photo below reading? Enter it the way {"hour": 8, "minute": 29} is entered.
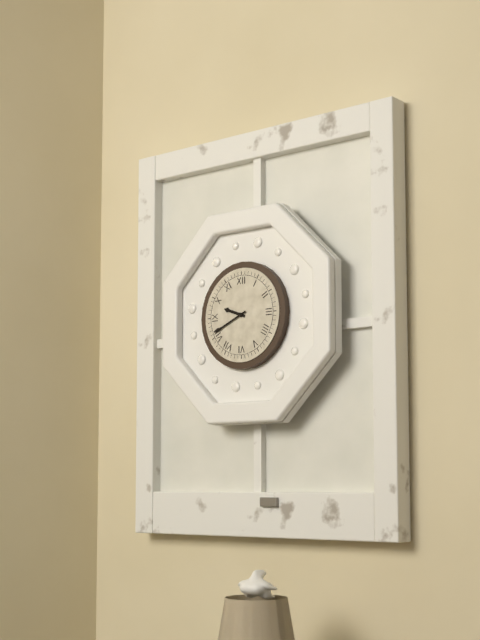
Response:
{"hour": 9, "minute": 41}
